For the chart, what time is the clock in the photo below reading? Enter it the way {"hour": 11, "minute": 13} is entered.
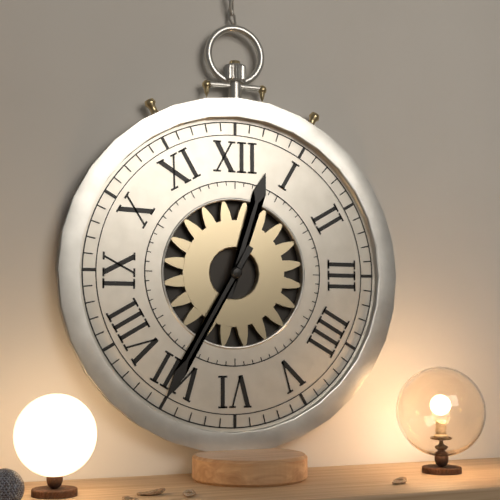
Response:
{"hour": 12, "minute": 35}
